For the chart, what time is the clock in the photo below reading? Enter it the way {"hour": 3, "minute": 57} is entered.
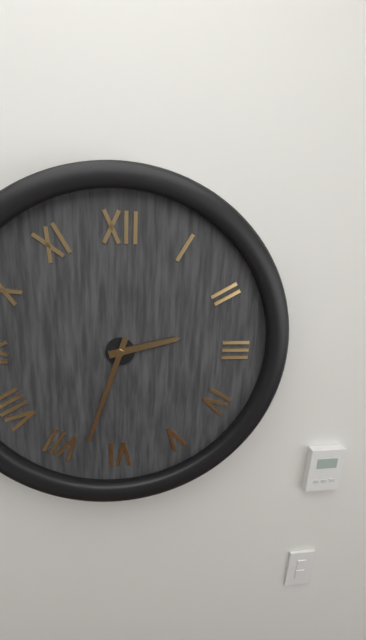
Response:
{"hour": 2, "minute": 33}
